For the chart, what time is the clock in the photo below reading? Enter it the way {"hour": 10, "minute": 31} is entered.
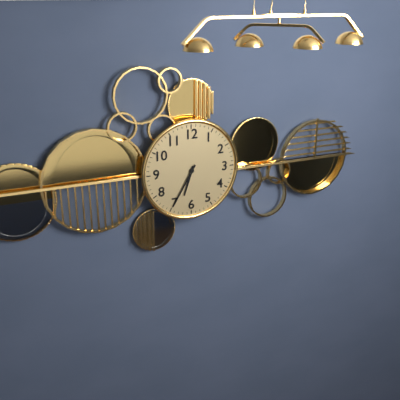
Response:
{"hour": 6, "minute": 35}
